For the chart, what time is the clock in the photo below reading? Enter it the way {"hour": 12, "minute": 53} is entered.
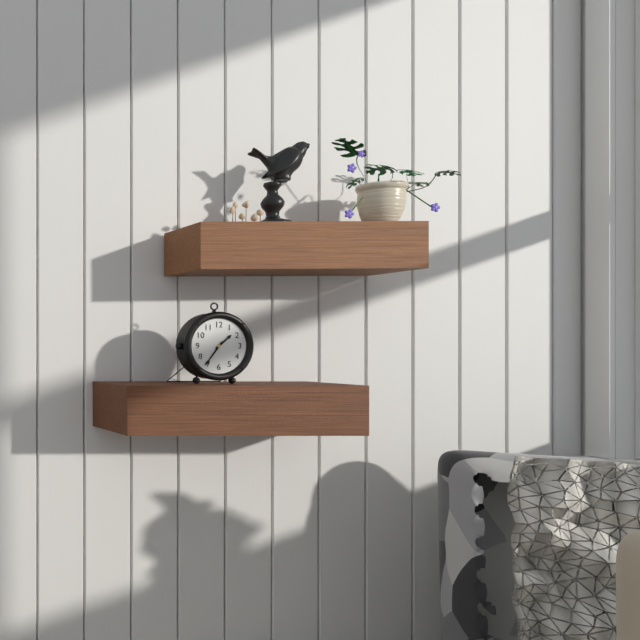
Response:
{"hour": 1, "minute": 36}
